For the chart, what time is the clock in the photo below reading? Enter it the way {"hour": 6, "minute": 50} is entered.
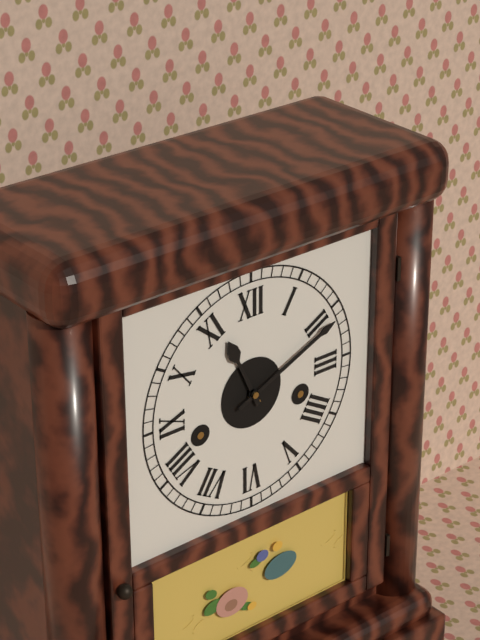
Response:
{"hour": 11, "minute": 11}
